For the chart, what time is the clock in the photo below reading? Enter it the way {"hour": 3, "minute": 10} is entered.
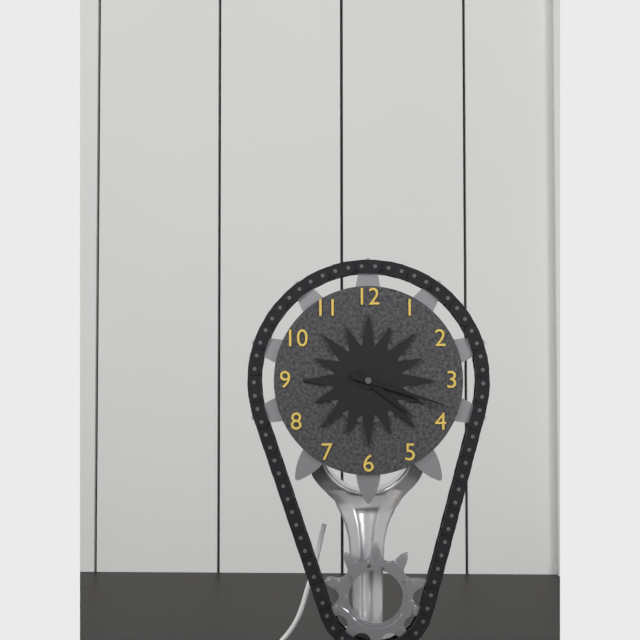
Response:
{"hour": 4, "minute": 18}
